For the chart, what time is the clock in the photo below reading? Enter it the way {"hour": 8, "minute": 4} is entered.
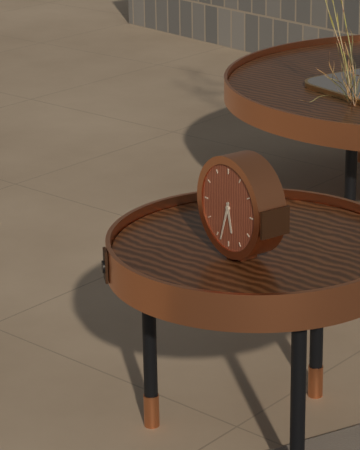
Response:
{"hour": 5, "minute": 33}
